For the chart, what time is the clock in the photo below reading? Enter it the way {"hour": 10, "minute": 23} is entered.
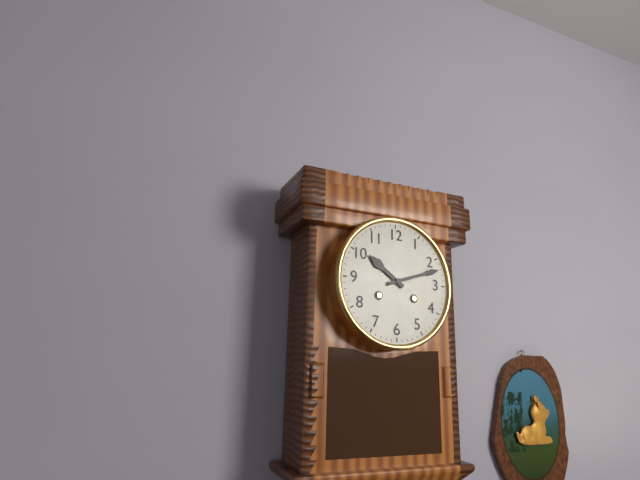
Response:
{"hour": 10, "minute": 12}
